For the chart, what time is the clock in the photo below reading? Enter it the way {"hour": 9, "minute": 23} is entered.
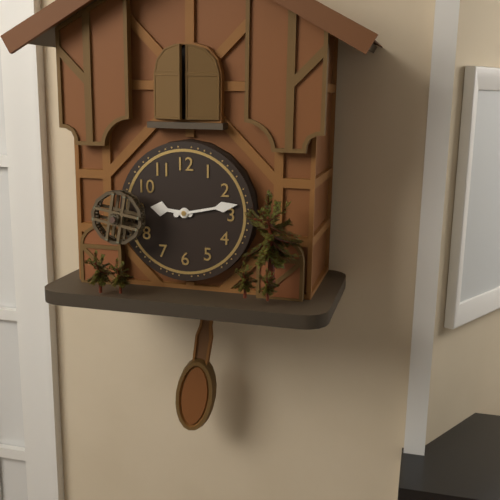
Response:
{"hour": 9, "minute": 13}
